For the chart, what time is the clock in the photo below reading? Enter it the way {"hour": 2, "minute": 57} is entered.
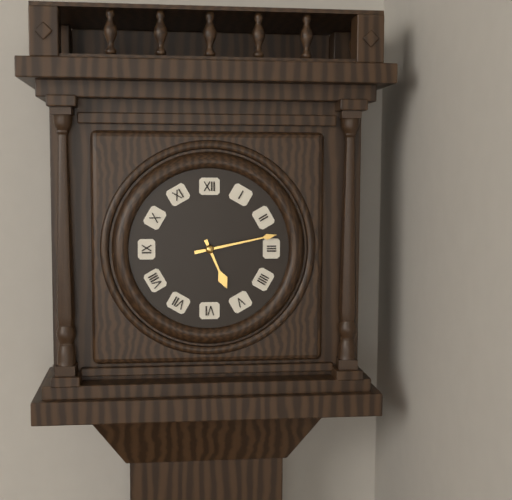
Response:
{"hour": 5, "minute": 13}
